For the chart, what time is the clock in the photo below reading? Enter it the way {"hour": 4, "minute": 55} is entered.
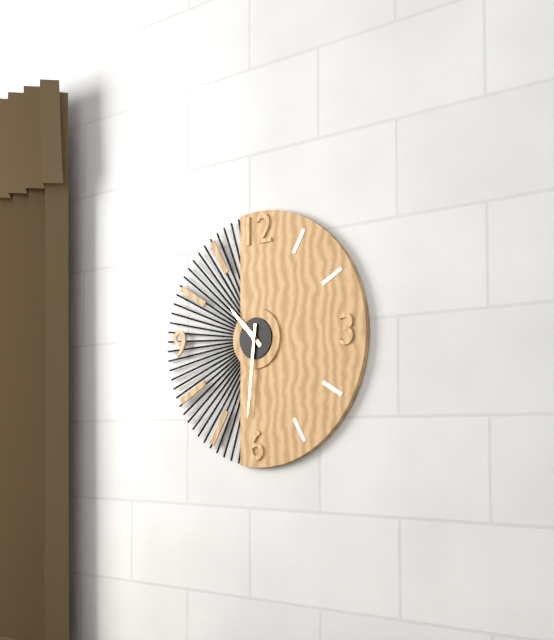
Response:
{"hour": 10, "minute": 31}
